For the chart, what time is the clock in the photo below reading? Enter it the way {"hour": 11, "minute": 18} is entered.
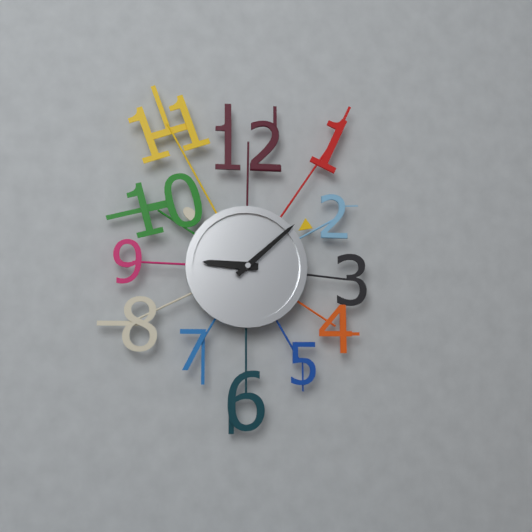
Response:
{"hour": 9, "minute": 8}
